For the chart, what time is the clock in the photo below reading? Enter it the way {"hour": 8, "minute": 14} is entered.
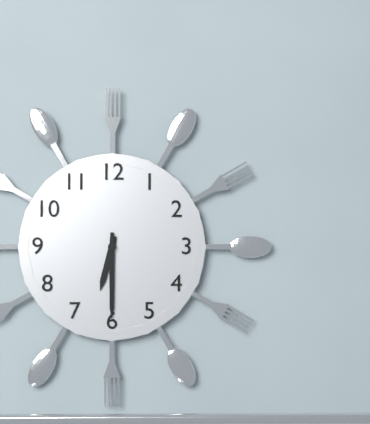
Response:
{"hour": 6, "minute": 30}
